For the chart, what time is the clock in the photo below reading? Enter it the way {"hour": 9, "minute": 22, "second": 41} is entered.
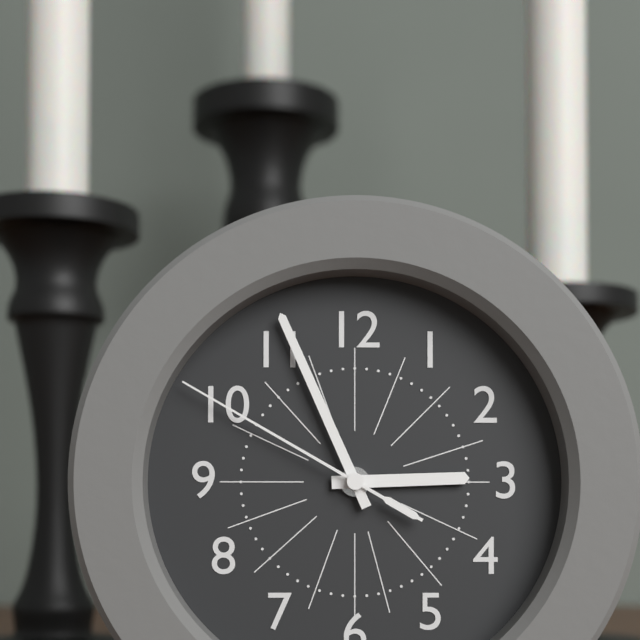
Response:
{"hour": 2, "minute": 56, "second": 50}
